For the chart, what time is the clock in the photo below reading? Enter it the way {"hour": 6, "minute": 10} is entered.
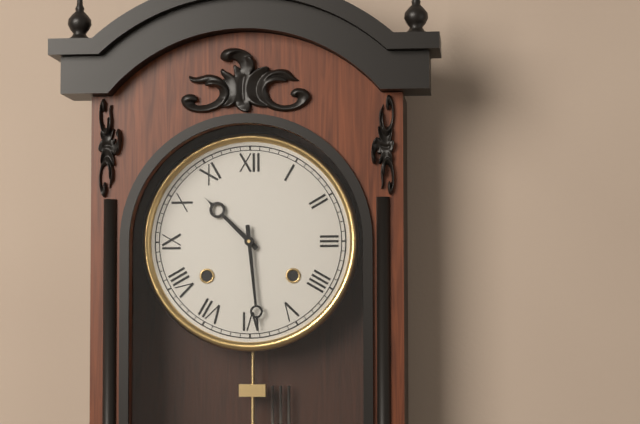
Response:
{"hour": 10, "minute": 29}
